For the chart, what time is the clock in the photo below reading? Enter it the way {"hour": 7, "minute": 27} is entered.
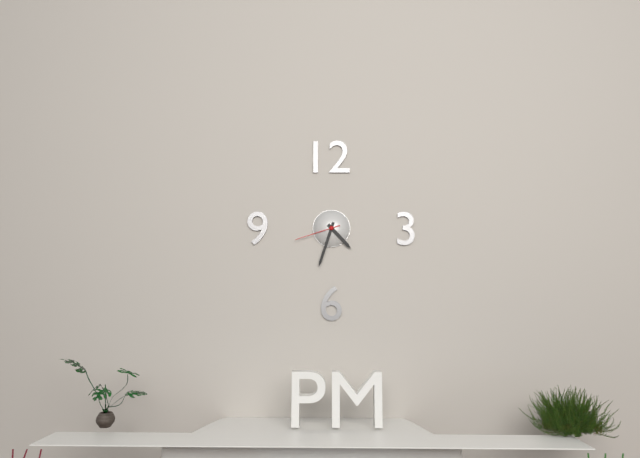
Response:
{"hour": 4, "minute": 33}
